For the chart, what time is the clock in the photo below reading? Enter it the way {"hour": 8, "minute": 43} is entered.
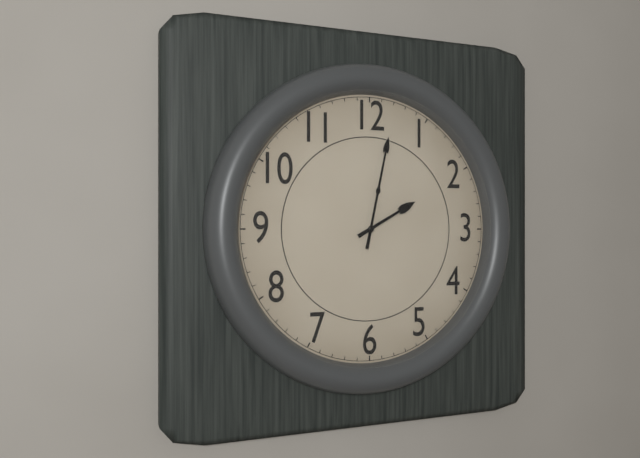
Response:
{"hour": 2, "minute": 2}
